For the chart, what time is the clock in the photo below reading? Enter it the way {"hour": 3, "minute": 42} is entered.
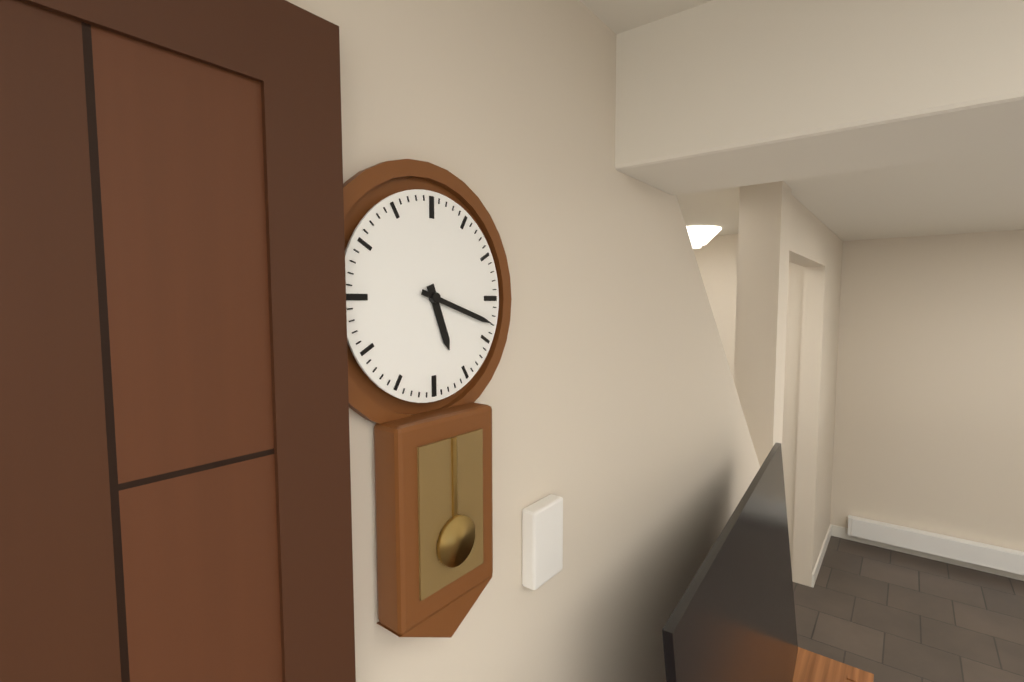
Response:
{"hour": 5, "minute": 18}
